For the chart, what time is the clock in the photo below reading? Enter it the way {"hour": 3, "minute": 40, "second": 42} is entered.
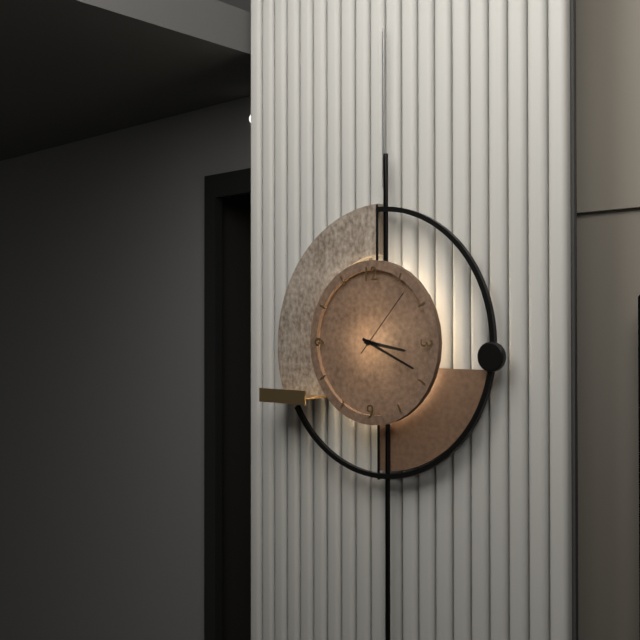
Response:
{"hour": 3, "minute": 19, "second": 7}
